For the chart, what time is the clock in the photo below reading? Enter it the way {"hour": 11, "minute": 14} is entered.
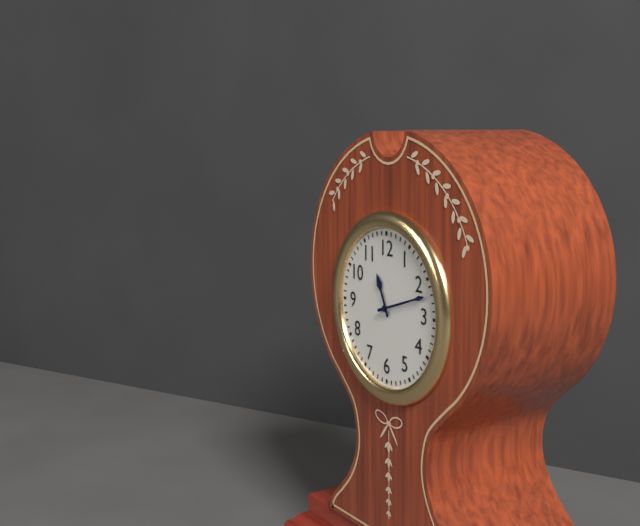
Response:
{"hour": 11, "minute": 12}
